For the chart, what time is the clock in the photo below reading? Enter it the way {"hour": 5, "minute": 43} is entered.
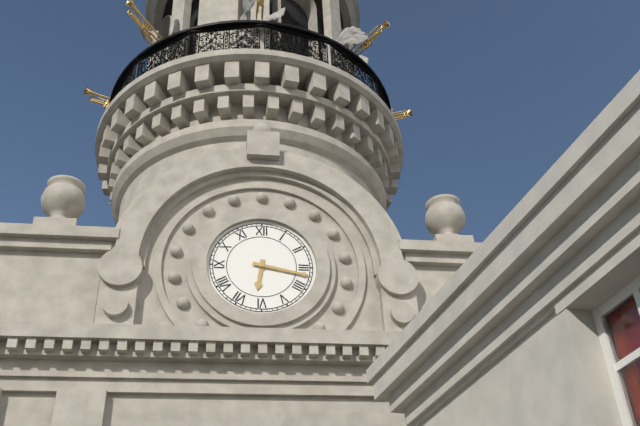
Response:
{"hour": 6, "minute": 17}
